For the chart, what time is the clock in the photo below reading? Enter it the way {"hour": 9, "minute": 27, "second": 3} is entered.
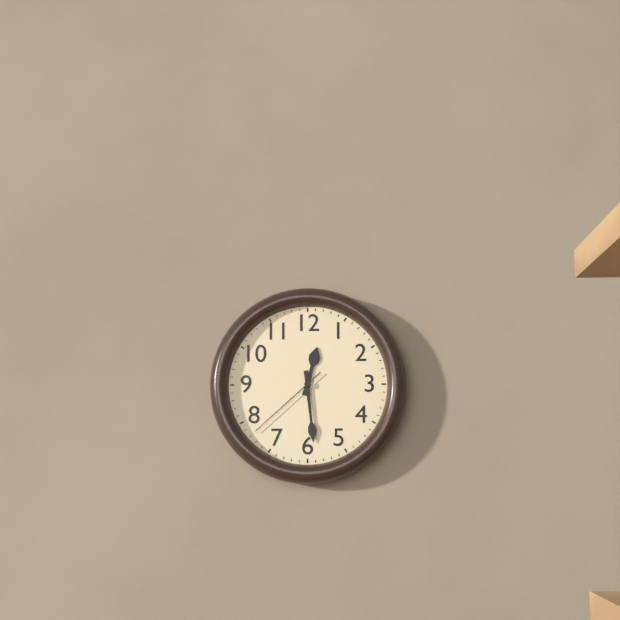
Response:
{"hour": 12, "minute": 29, "second": 38}
